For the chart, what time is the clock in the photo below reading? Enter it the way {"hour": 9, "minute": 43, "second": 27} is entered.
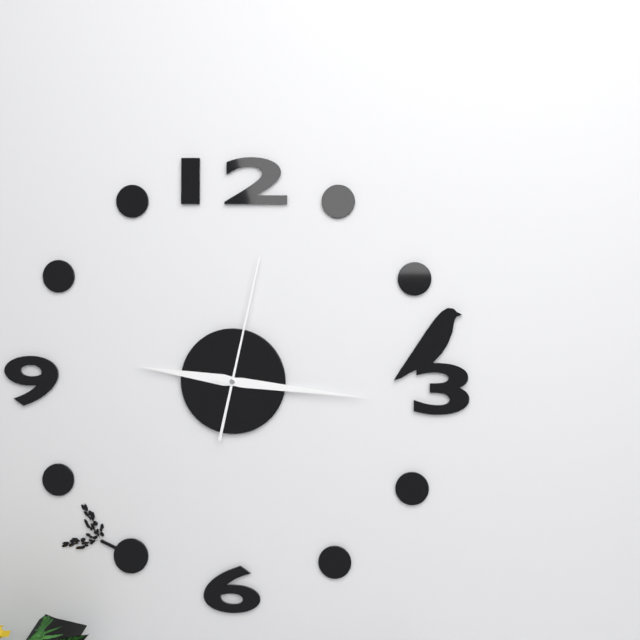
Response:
{"hour": 9, "minute": 16, "second": 2}
